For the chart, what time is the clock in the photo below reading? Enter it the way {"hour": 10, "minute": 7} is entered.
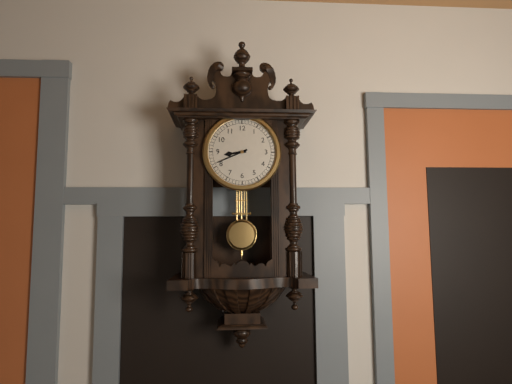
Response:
{"hour": 8, "minute": 41}
